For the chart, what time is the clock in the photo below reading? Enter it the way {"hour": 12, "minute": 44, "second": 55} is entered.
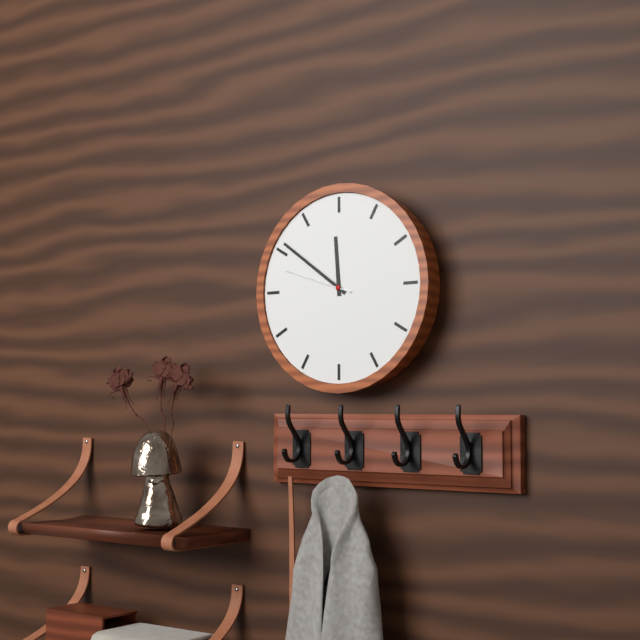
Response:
{"hour": 11, "minute": 51, "second": 48}
